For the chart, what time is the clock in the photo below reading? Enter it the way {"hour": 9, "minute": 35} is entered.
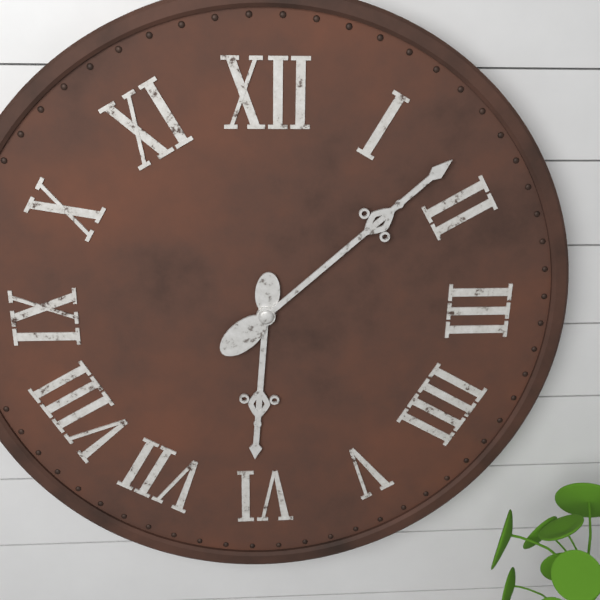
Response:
{"hour": 6, "minute": 8}
